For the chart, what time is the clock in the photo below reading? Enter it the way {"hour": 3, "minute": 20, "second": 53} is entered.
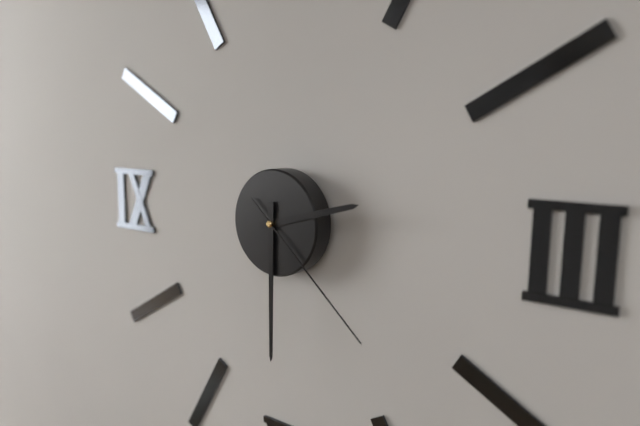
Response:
{"hour": 2, "minute": 30, "second": 22}
